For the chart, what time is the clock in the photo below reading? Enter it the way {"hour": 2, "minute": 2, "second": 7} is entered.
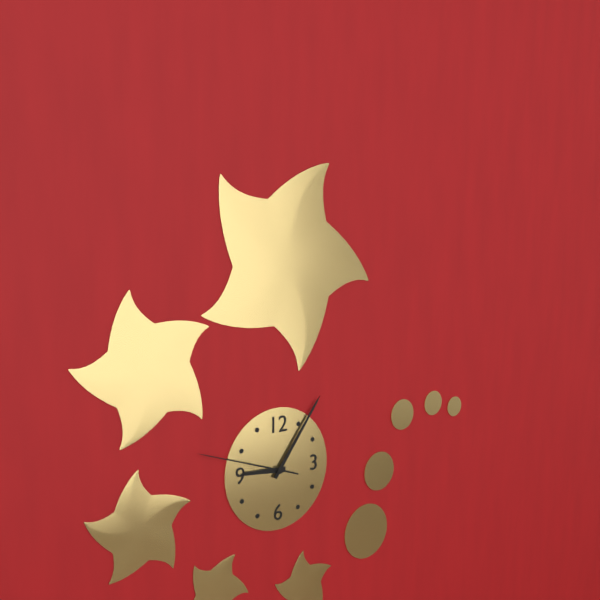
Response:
{"hour": 9, "minute": 6, "second": 48}
